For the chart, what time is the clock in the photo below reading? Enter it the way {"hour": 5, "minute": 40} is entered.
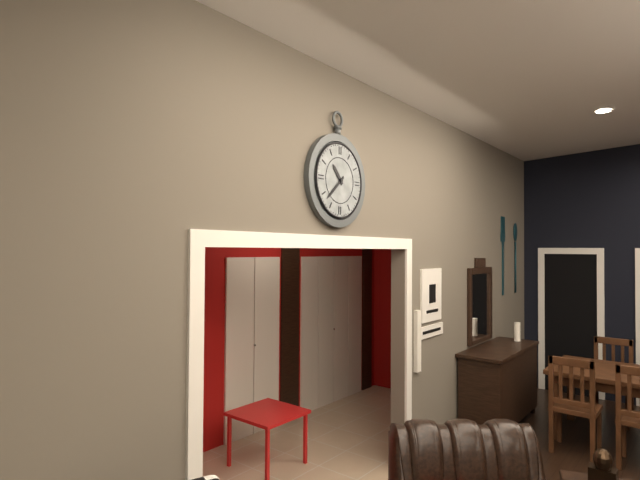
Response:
{"hour": 10, "minute": 38}
